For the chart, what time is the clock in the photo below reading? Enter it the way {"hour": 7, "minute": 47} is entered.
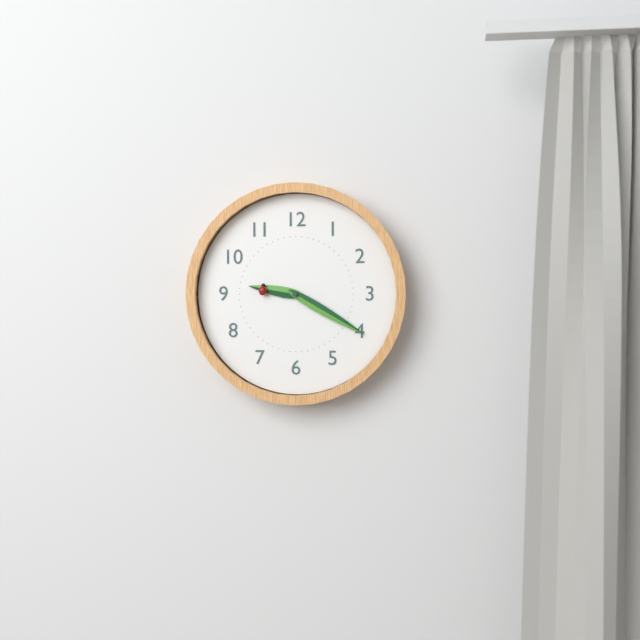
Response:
{"hour": 9, "minute": 20}
